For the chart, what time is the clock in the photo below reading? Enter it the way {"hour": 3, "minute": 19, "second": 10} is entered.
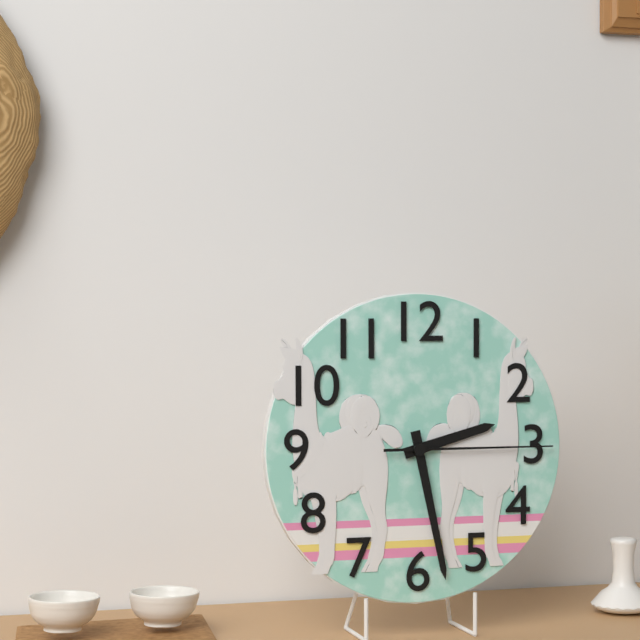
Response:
{"hour": 2, "minute": 28, "second": 15}
